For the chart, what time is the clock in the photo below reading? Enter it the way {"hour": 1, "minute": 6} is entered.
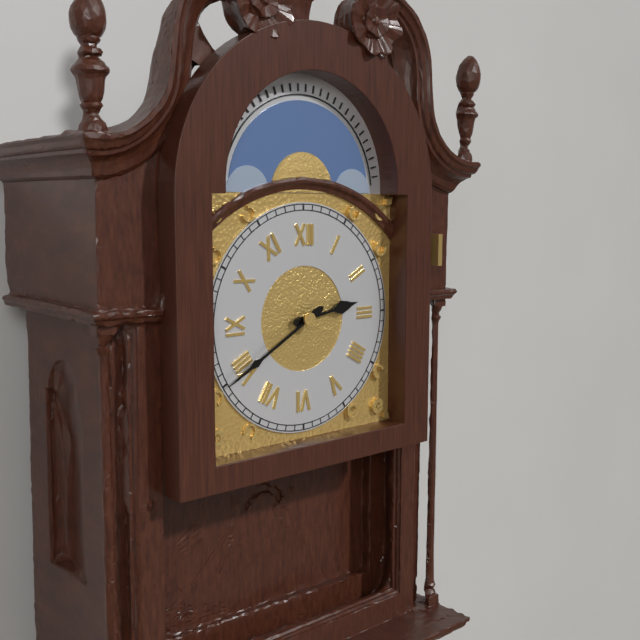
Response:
{"hour": 2, "minute": 40}
